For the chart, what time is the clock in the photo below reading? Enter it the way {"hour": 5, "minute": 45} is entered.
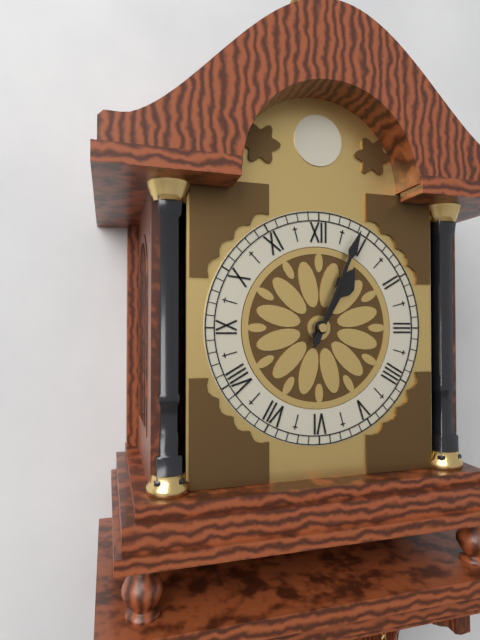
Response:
{"hour": 1, "minute": 4}
